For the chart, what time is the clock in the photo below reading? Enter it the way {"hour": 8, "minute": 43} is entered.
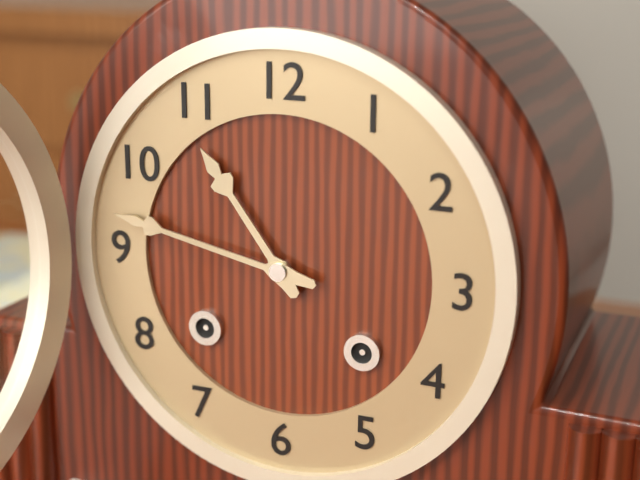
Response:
{"hour": 10, "minute": 47}
